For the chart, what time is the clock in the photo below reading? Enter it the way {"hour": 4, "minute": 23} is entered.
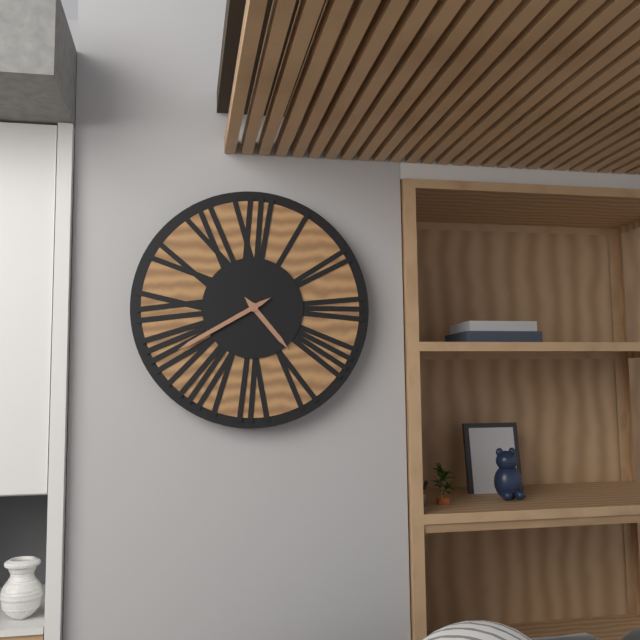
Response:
{"hour": 4, "minute": 40}
